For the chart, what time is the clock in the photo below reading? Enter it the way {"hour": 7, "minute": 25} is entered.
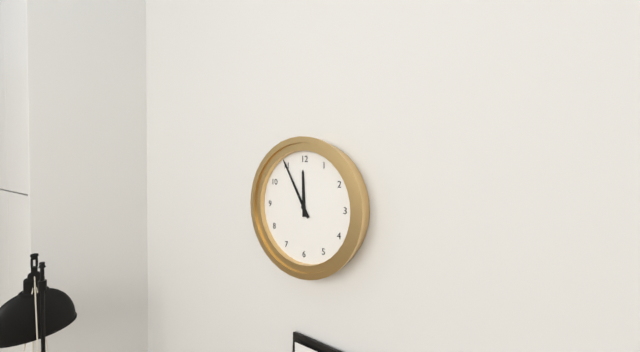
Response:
{"hour": 11, "minute": 55}
